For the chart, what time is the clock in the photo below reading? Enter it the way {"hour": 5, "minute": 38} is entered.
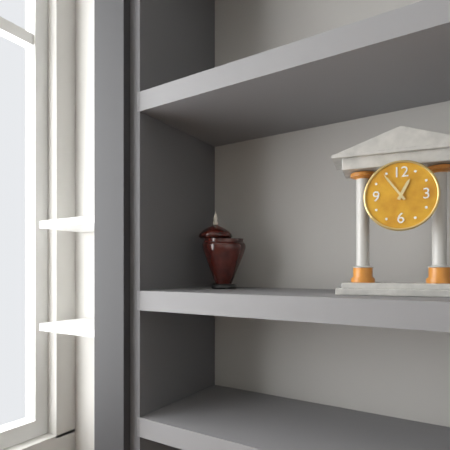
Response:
{"hour": 12, "minute": 54}
